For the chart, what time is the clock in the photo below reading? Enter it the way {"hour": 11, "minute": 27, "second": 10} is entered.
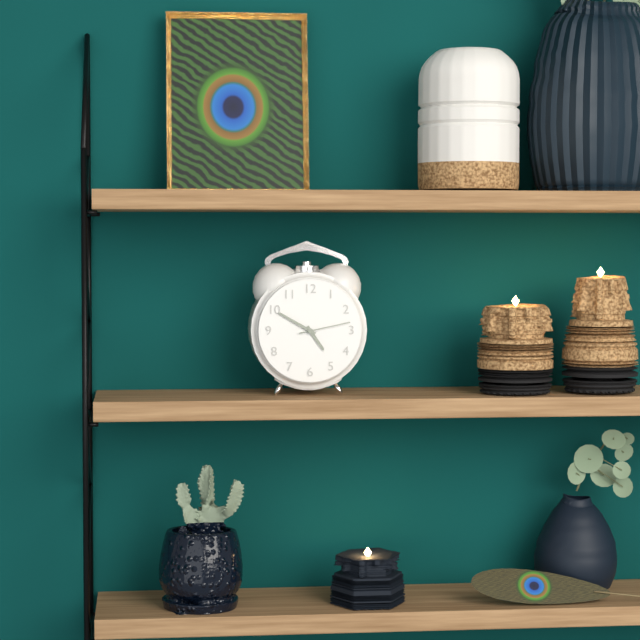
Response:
{"hour": 4, "minute": 50, "second": 13}
